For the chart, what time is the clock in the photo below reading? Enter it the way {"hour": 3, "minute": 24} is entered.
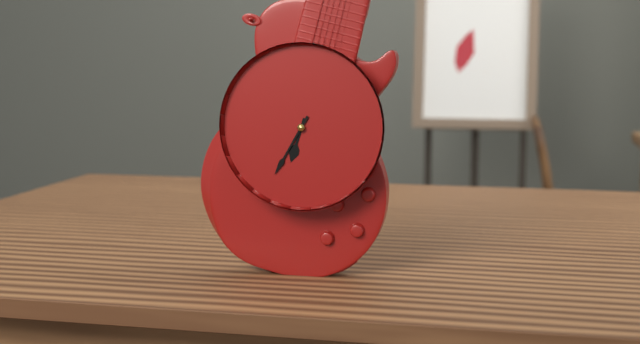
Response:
{"hour": 6, "minute": 35}
